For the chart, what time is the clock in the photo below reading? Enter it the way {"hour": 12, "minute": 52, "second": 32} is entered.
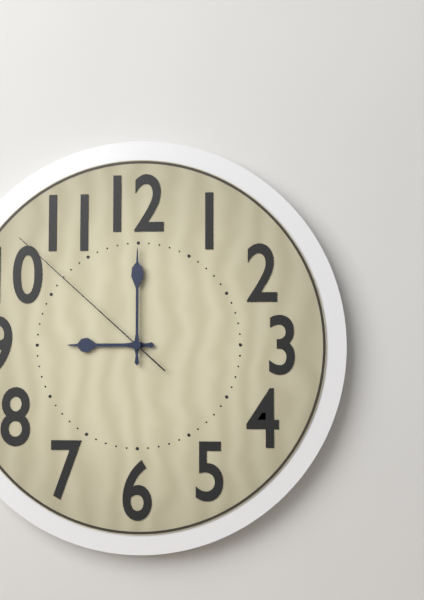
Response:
{"hour": 9, "minute": 0, "second": 52}
